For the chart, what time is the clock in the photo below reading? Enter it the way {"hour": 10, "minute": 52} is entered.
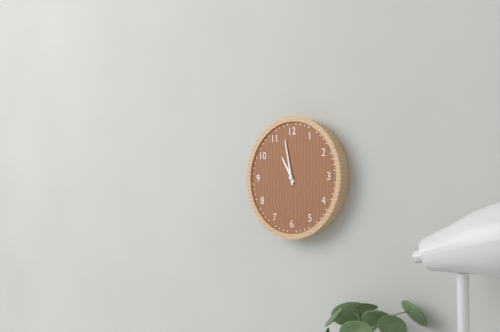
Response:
{"hour": 10, "minute": 58}
